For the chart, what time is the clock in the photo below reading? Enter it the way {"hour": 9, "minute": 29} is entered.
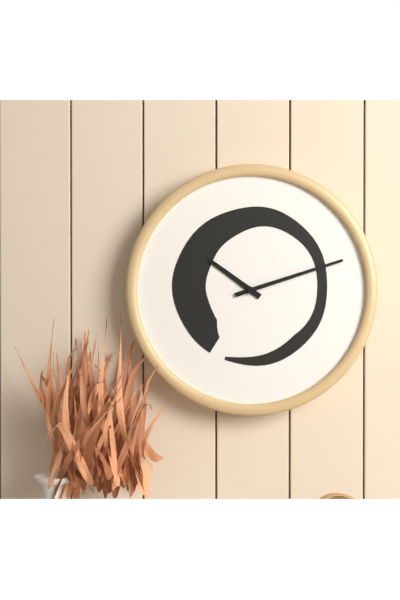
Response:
{"hour": 10, "minute": 12}
